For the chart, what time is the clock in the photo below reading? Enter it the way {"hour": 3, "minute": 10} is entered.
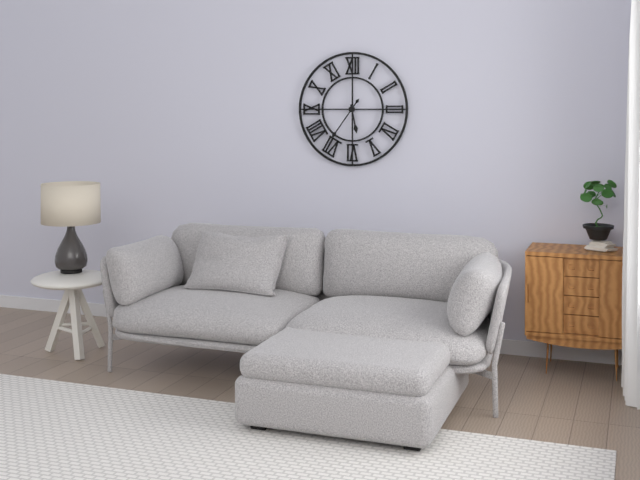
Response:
{"hour": 5, "minute": 36}
